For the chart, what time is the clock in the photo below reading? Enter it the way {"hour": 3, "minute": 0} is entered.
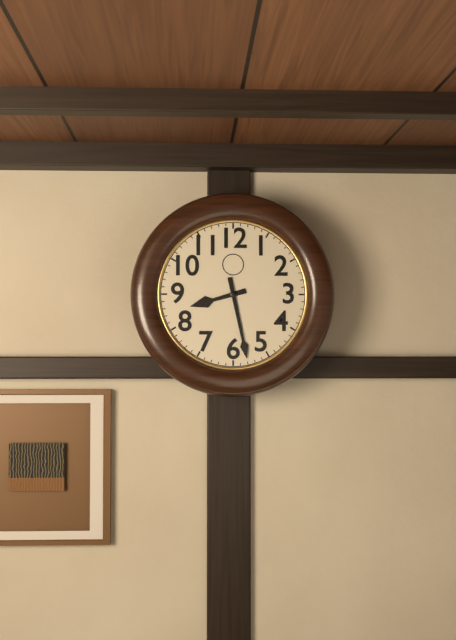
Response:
{"hour": 8, "minute": 28}
